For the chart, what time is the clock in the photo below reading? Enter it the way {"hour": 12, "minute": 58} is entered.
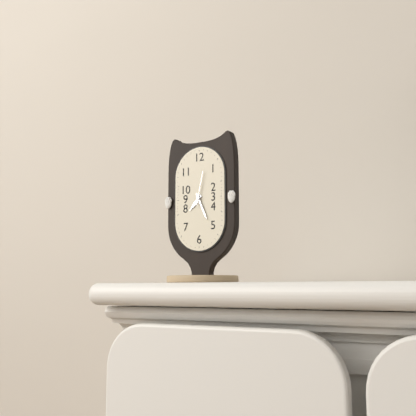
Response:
{"hour": 7, "minute": 26}
